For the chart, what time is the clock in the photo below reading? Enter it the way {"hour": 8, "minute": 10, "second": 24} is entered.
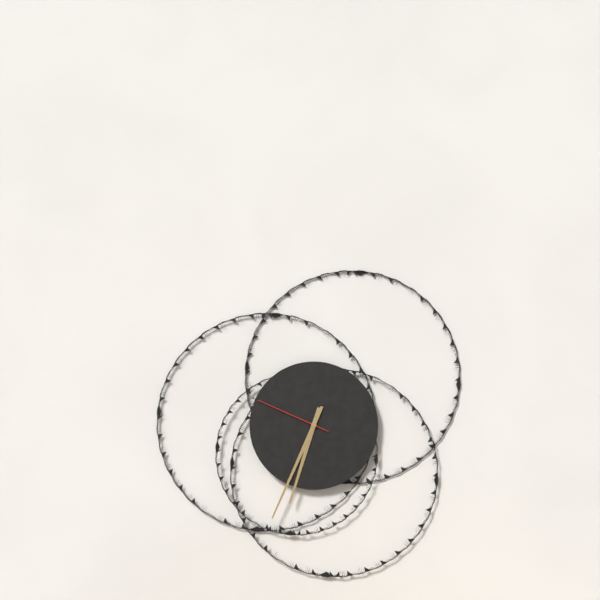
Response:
{"hour": 6, "minute": 34, "second": 49}
